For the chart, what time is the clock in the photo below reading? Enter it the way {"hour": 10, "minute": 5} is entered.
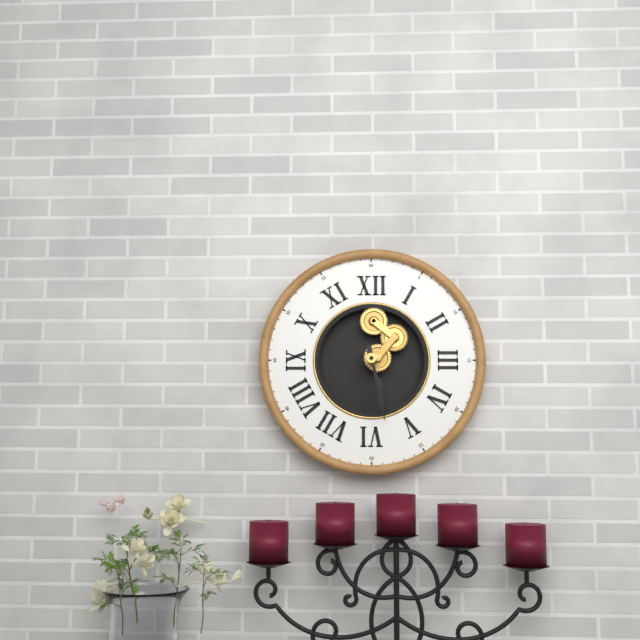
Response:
{"hour": 5, "minute": 28}
